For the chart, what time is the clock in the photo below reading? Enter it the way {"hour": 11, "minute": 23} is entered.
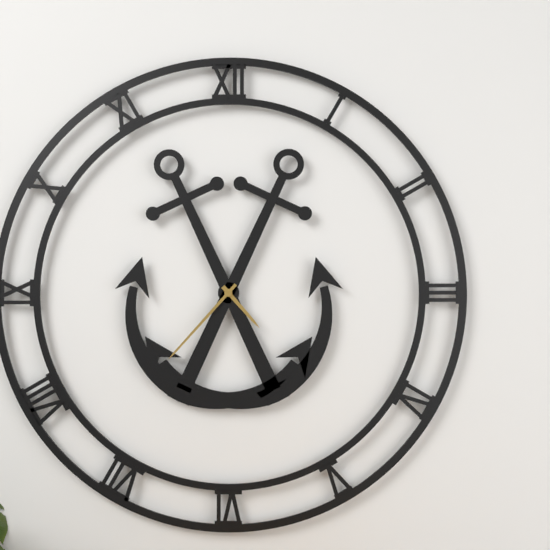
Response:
{"hour": 4, "minute": 37}
